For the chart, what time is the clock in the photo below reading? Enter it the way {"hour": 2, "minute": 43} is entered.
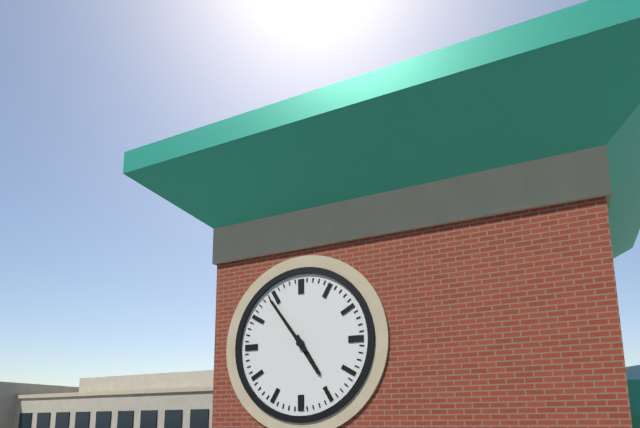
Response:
{"hour": 4, "minute": 54}
